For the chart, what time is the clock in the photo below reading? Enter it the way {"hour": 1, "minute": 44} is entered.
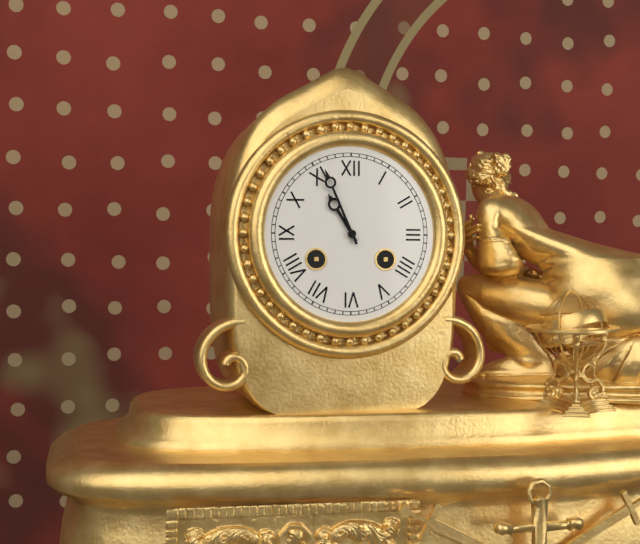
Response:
{"hour": 10, "minute": 56}
